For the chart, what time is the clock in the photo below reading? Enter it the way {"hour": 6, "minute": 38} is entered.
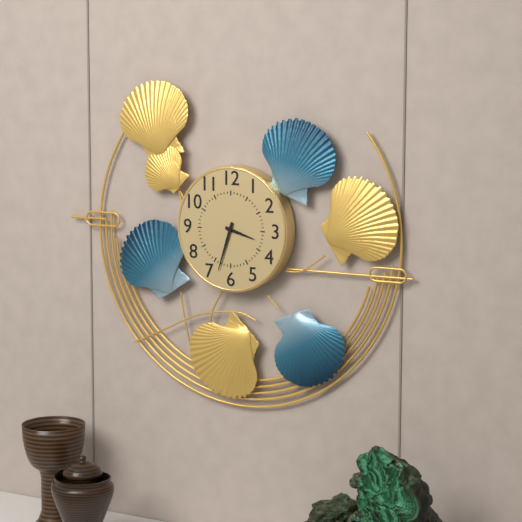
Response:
{"hour": 3, "minute": 33}
